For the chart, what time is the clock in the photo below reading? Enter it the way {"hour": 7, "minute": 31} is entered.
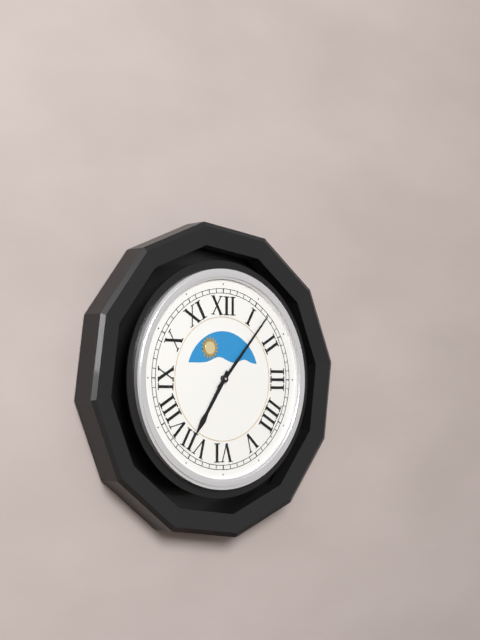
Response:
{"hour": 7, "minute": 7}
